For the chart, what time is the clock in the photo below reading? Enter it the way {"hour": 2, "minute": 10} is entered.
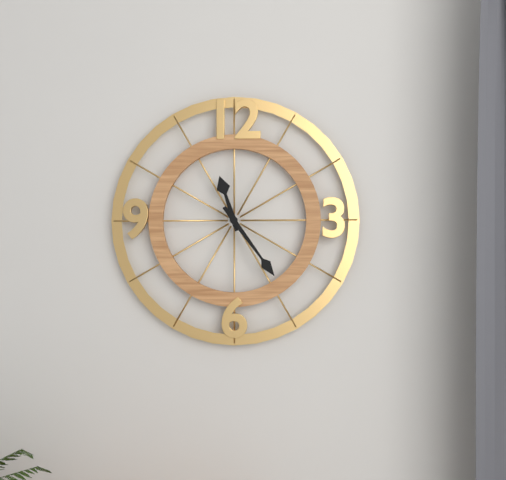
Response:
{"hour": 11, "minute": 24}
